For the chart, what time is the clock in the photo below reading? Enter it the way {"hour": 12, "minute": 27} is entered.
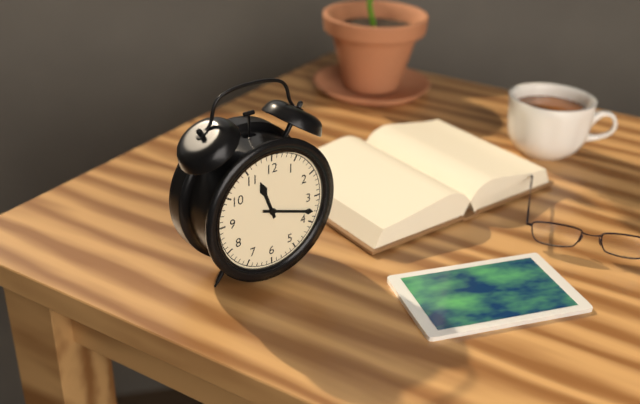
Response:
{"hour": 11, "minute": 18}
